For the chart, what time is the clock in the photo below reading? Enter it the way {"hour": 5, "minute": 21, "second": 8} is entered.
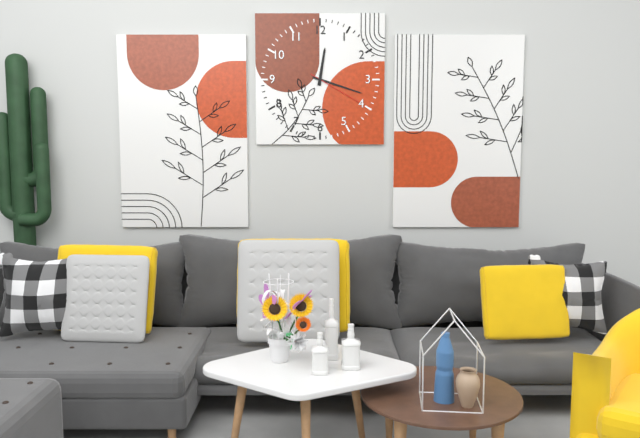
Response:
{"hour": 12, "minute": 18, "second": 20}
